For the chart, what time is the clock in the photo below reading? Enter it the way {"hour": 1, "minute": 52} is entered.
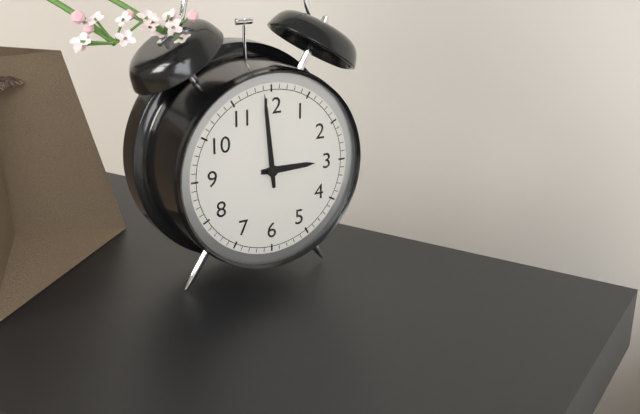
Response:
{"hour": 2, "minute": 59}
